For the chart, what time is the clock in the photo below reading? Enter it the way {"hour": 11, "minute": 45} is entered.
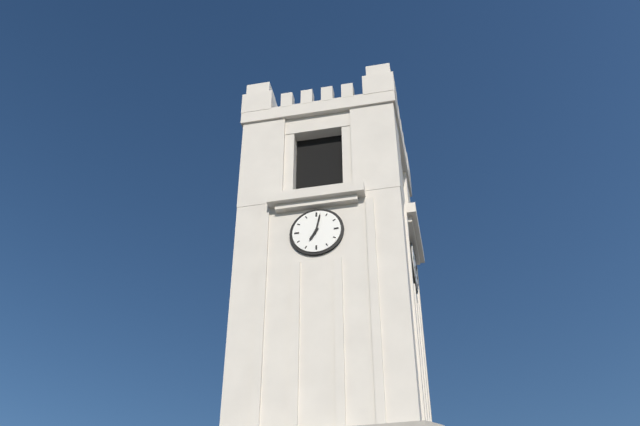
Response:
{"hour": 7, "minute": 2}
